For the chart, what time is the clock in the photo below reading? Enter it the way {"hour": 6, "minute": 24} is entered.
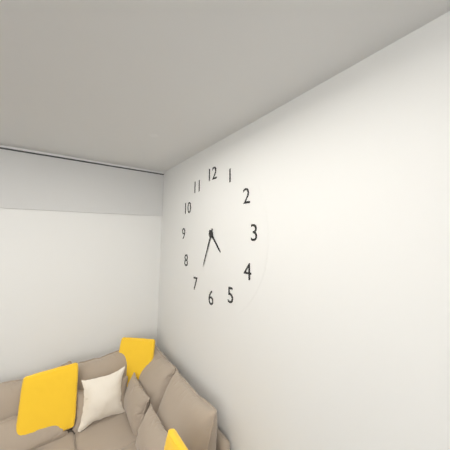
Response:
{"hour": 4, "minute": 34}
